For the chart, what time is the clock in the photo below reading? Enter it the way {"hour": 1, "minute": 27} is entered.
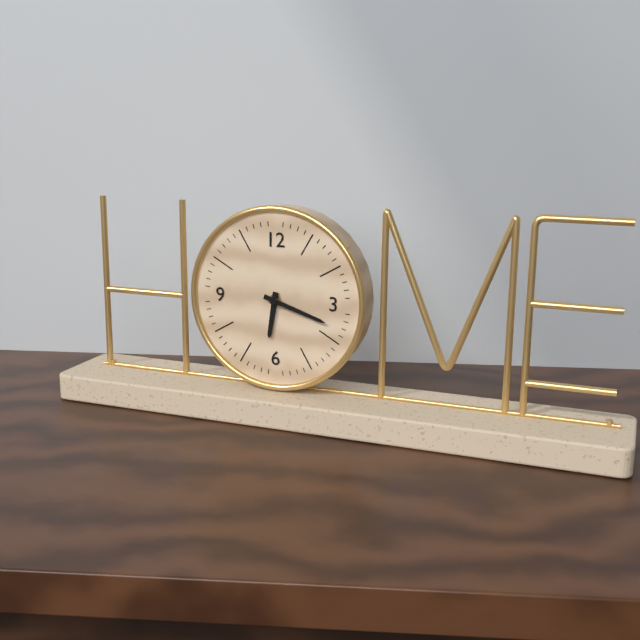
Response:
{"hour": 6, "minute": 18}
